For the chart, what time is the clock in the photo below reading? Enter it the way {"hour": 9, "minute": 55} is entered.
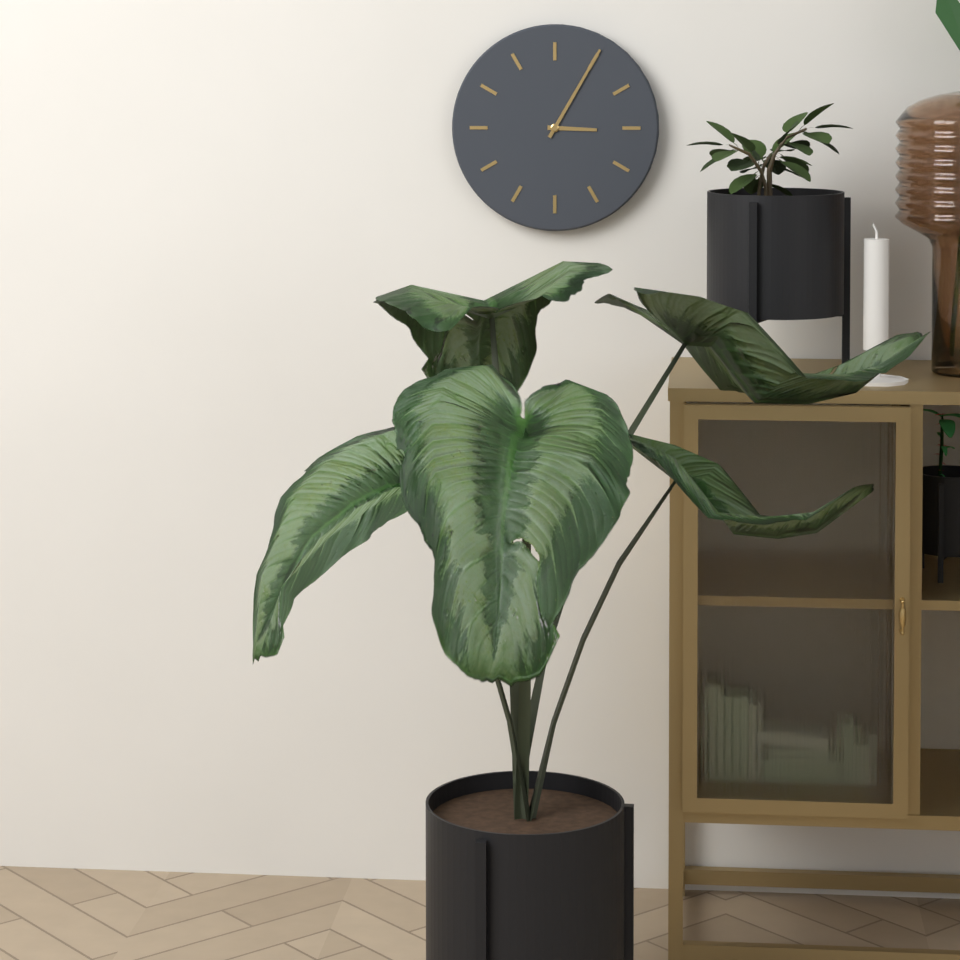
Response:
{"hour": 3, "minute": 5}
